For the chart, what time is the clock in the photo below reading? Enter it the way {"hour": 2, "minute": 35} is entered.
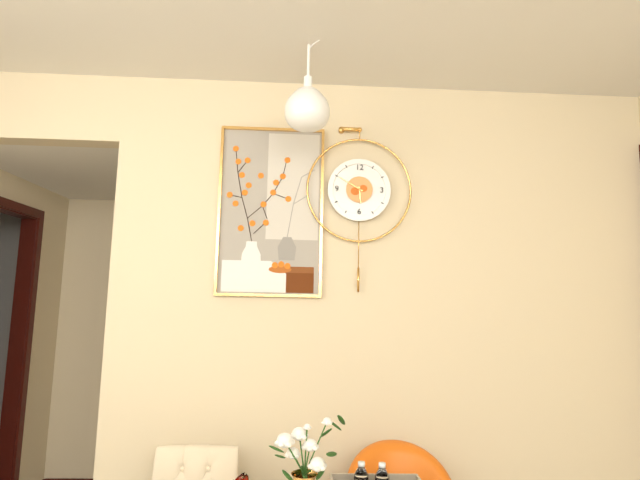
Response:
{"hour": 5, "minute": 50}
